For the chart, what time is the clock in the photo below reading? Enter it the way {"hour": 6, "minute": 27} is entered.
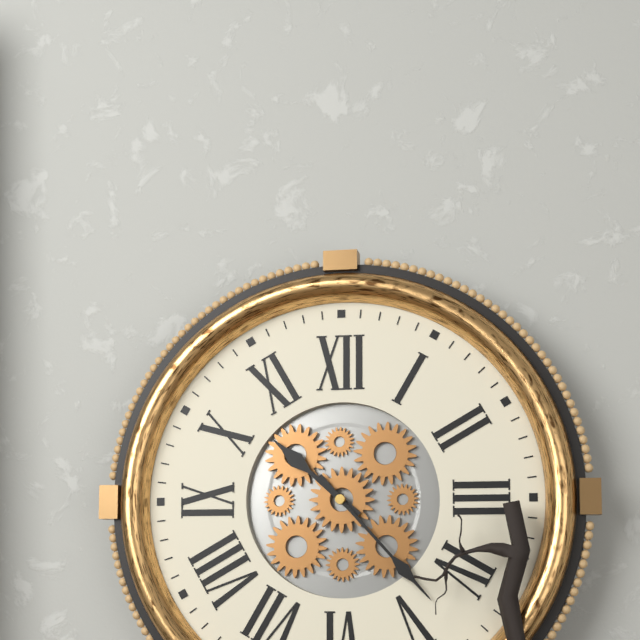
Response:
{"hour": 10, "minute": 23}
